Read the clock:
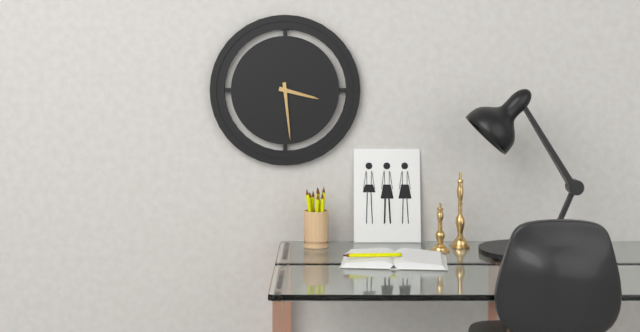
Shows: 3:29
